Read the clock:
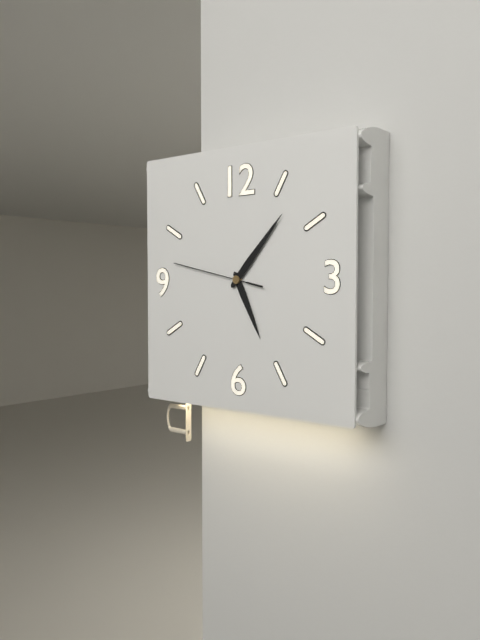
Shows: 5:07:47
